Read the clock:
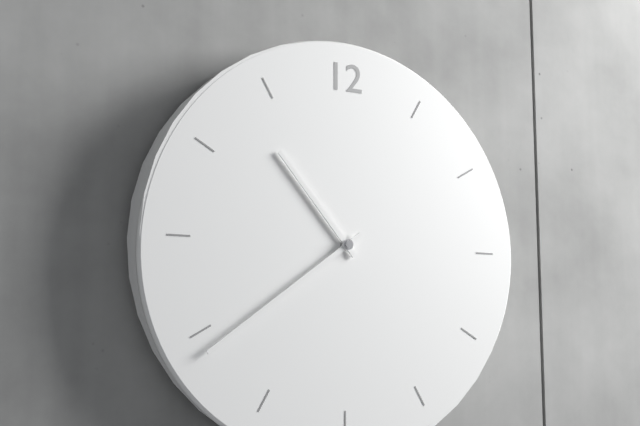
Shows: 10:39
